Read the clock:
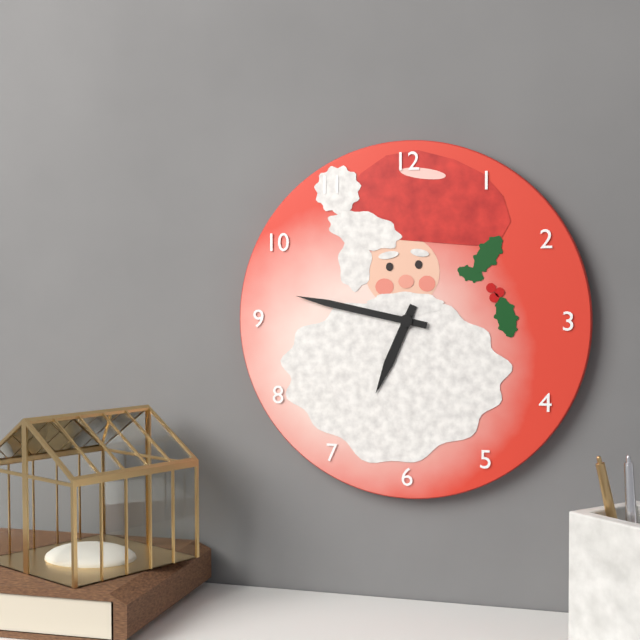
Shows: 6:47
